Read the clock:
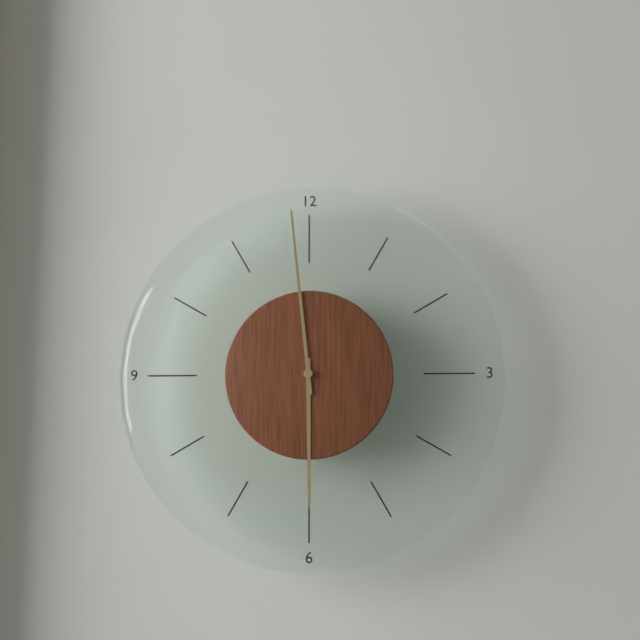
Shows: 5:59
